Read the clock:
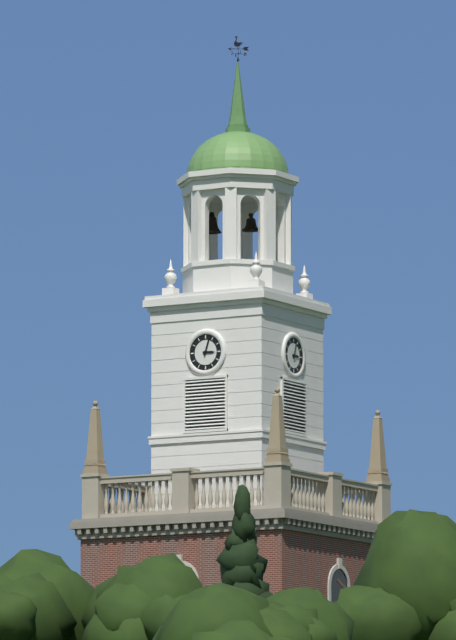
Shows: 3:03
